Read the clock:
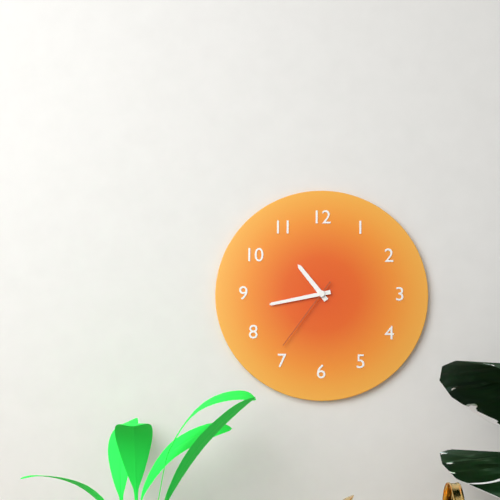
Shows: 10:43:36
